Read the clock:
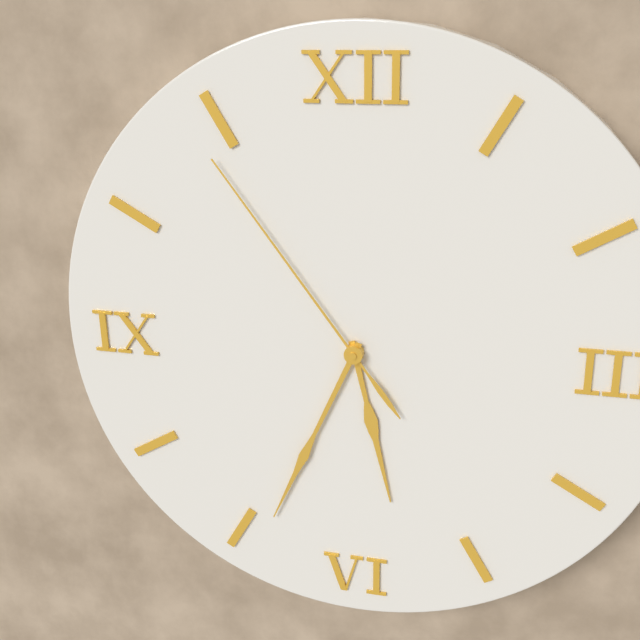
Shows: 5:34:54
